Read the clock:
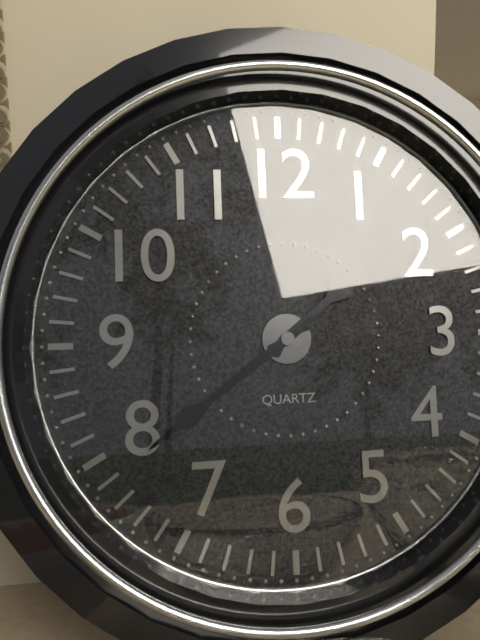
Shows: 1:39
